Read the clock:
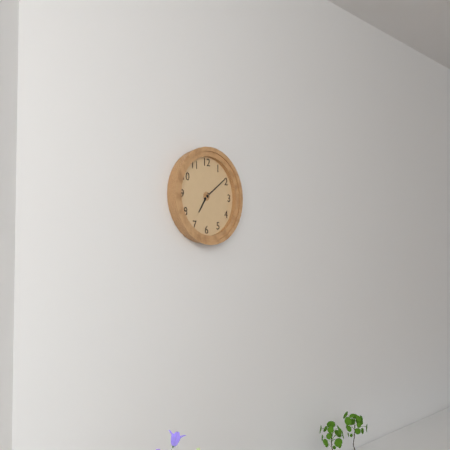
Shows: 7:09
